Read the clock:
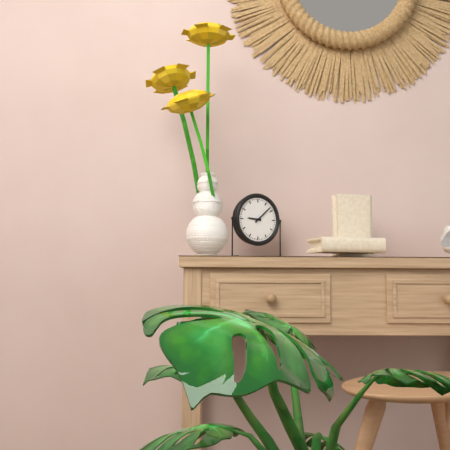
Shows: 9:08
